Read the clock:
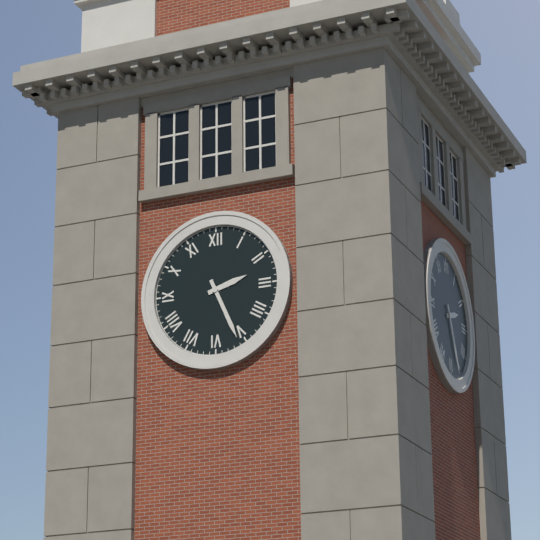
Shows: 2:26
